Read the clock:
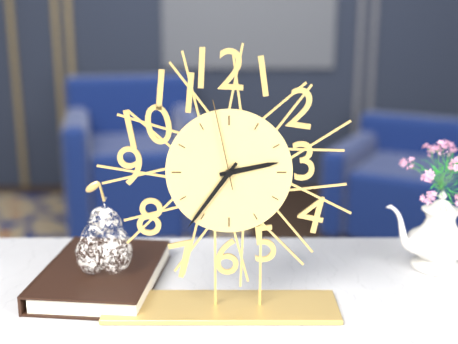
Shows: 2:36:58
